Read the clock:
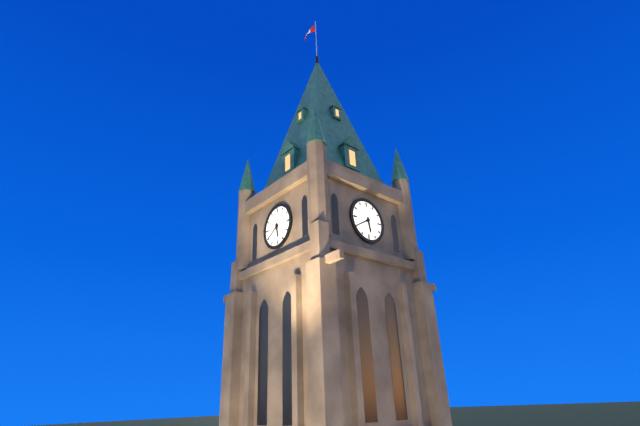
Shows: 5:40
